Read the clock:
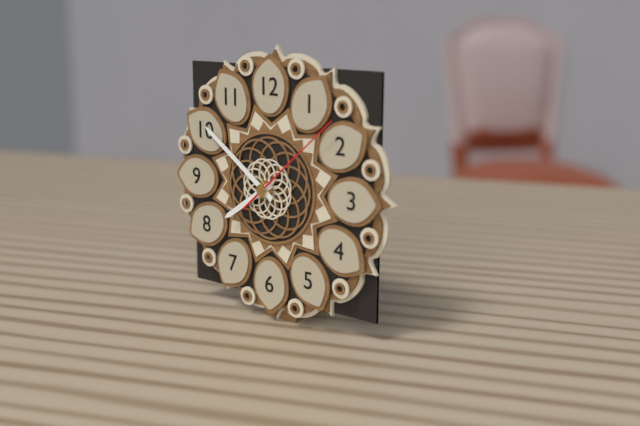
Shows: 7:51:08
